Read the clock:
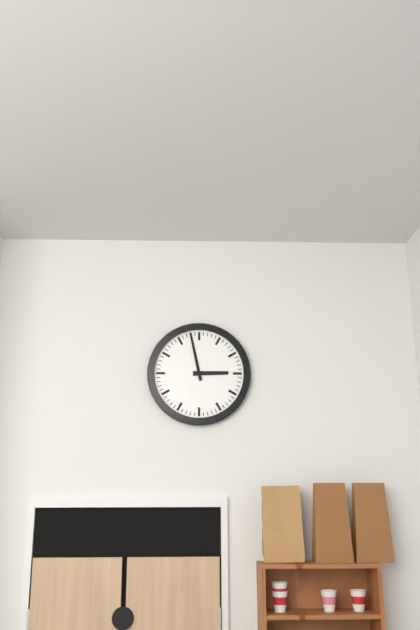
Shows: 2:58
